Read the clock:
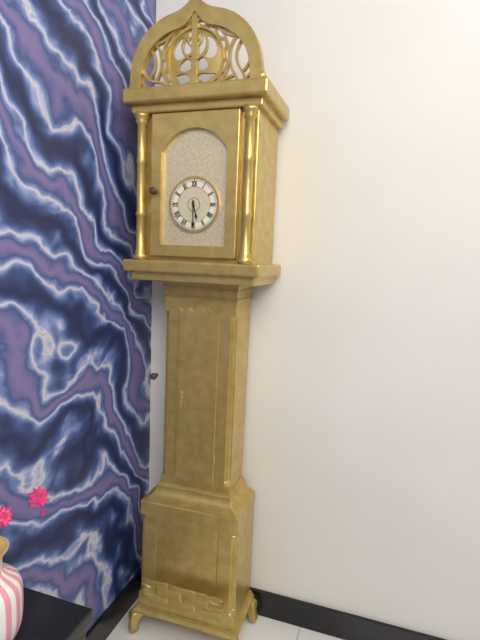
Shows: 5:30
